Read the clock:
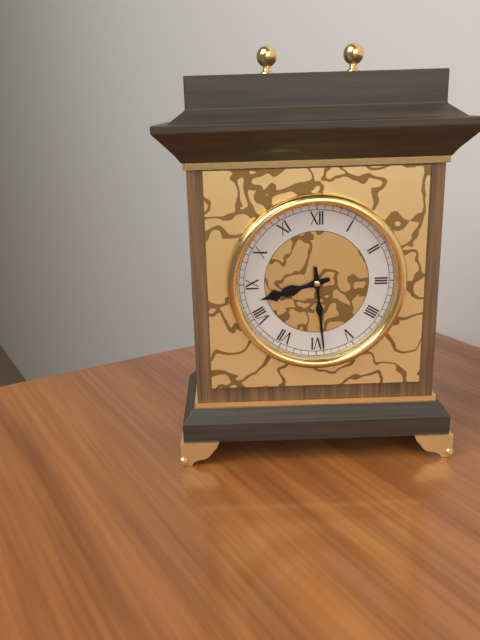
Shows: 8:29
